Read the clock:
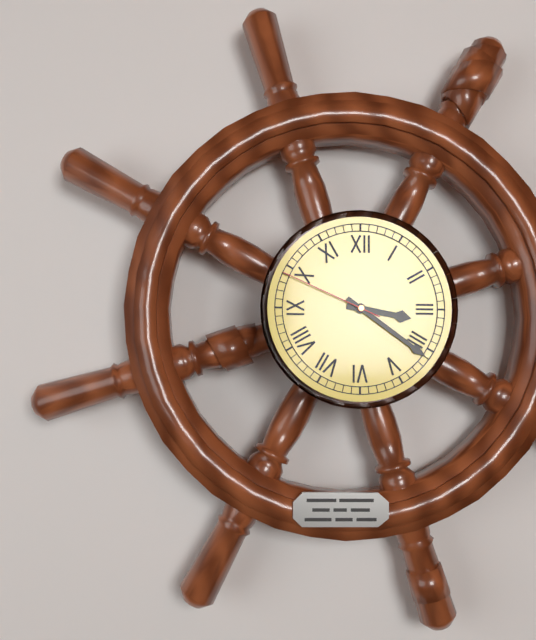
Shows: 3:21:49
